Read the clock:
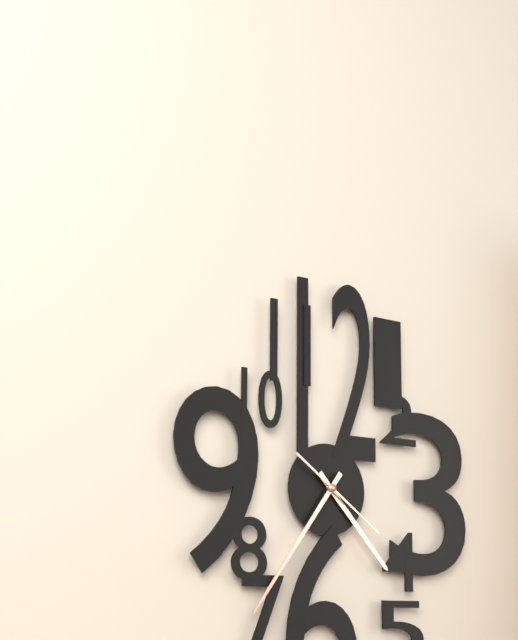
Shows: 4:36:21
